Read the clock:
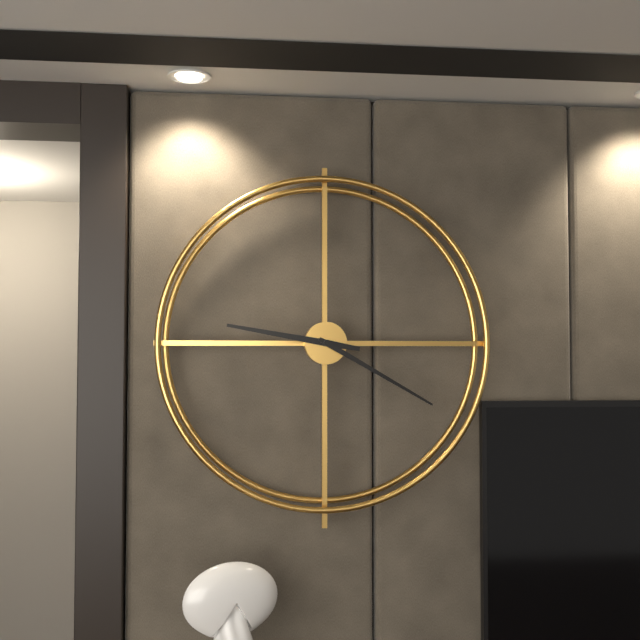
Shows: 9:20
